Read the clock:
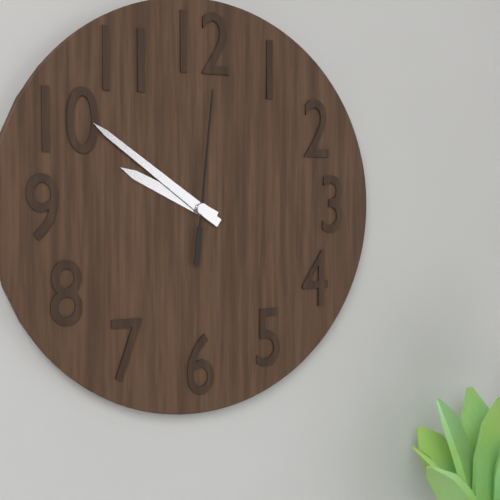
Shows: 9:51:01
